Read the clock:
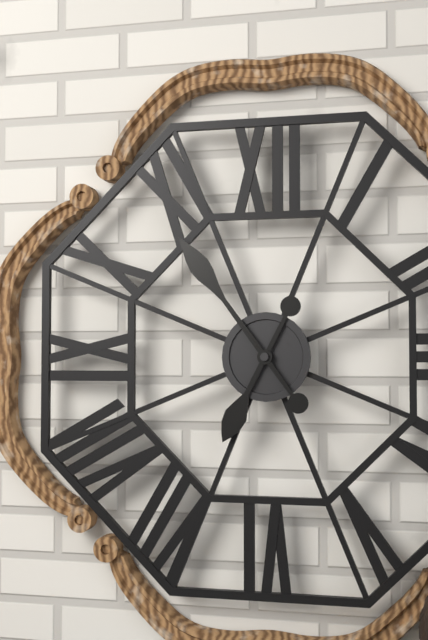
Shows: 6:54
